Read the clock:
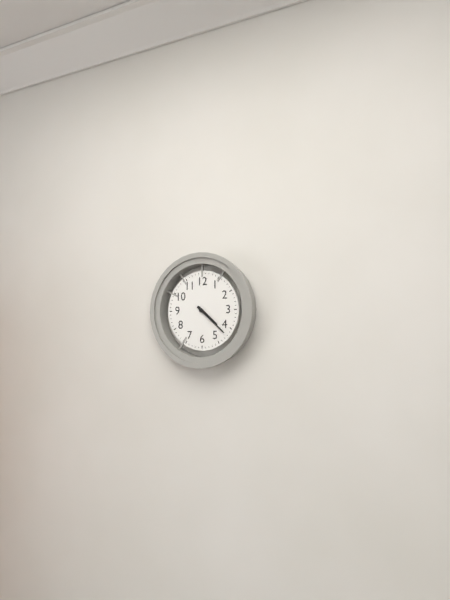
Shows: 4:22
